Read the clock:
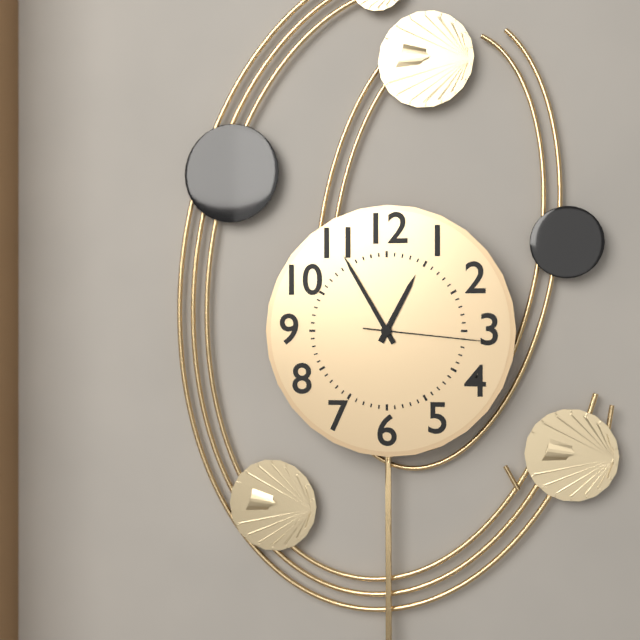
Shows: 12:55:16
